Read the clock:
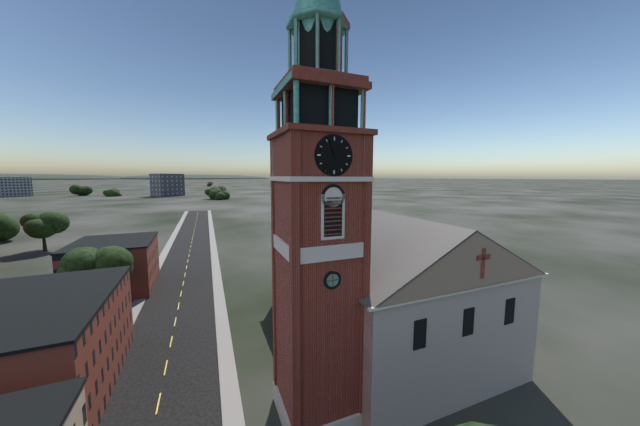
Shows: 12:57
